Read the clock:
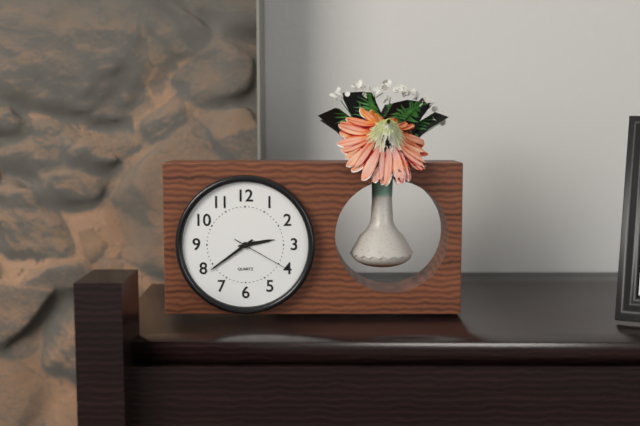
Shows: 2:39:20
